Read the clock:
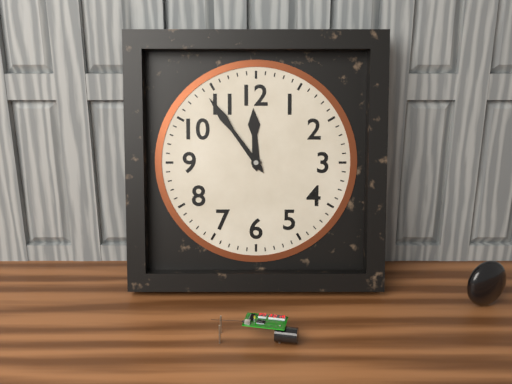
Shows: 11:54
